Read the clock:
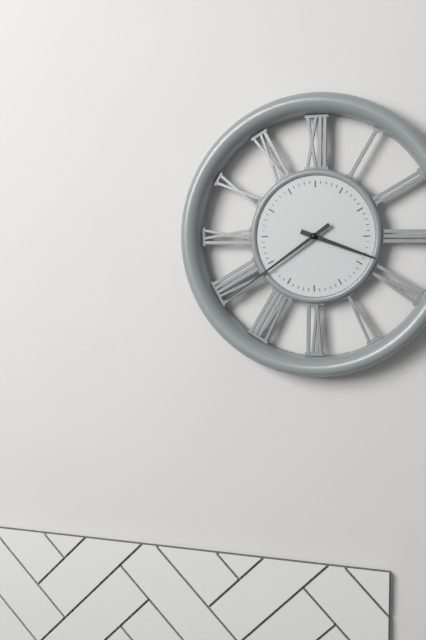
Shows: 3:39
